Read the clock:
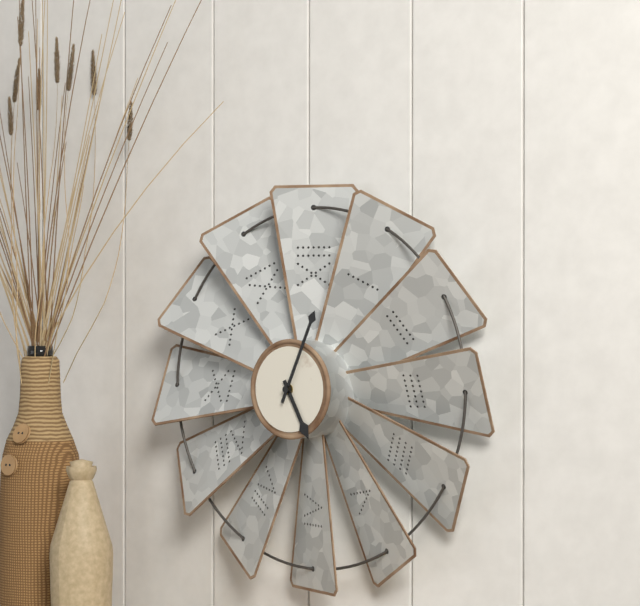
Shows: 5:04
